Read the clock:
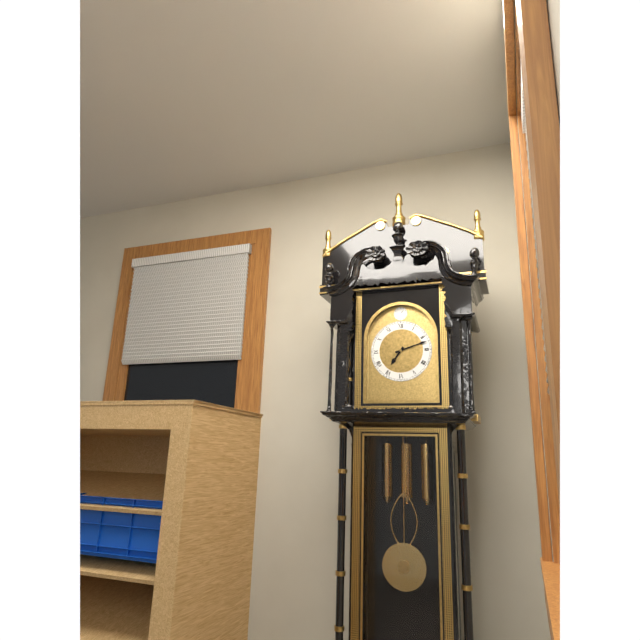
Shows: 7:12
